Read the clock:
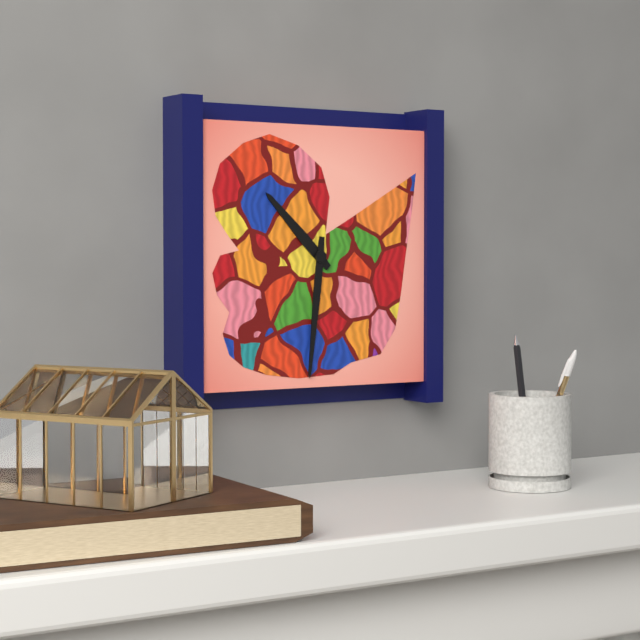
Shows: 10:31
